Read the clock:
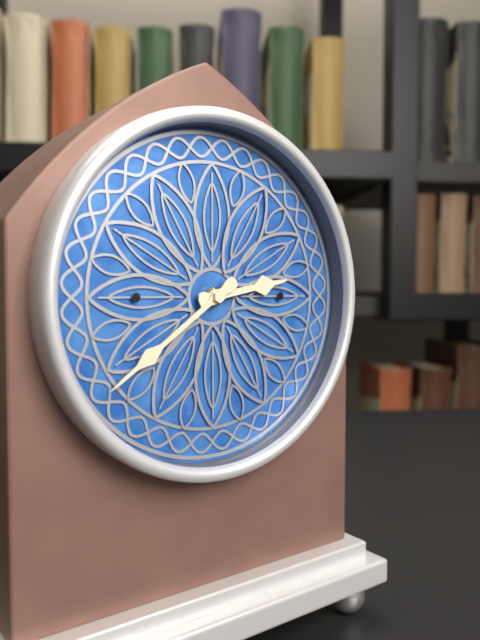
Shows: 2:39
